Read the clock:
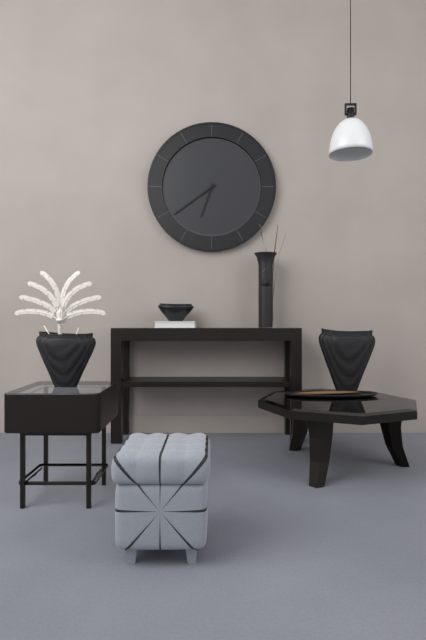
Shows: 6:39
